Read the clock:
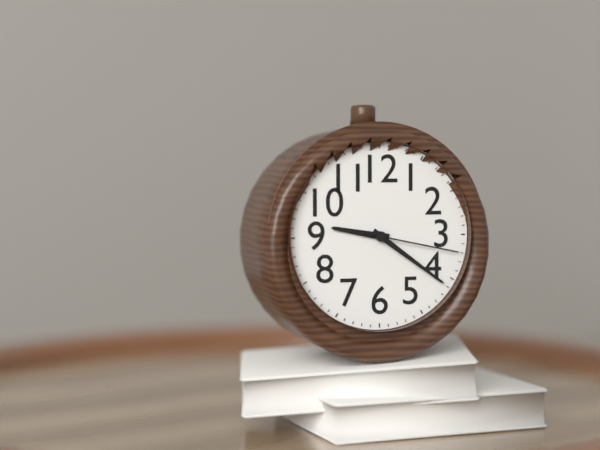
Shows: 9:21:17
